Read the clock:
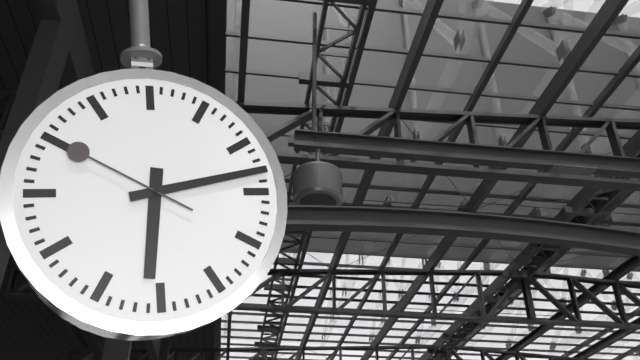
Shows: 6:13:50
